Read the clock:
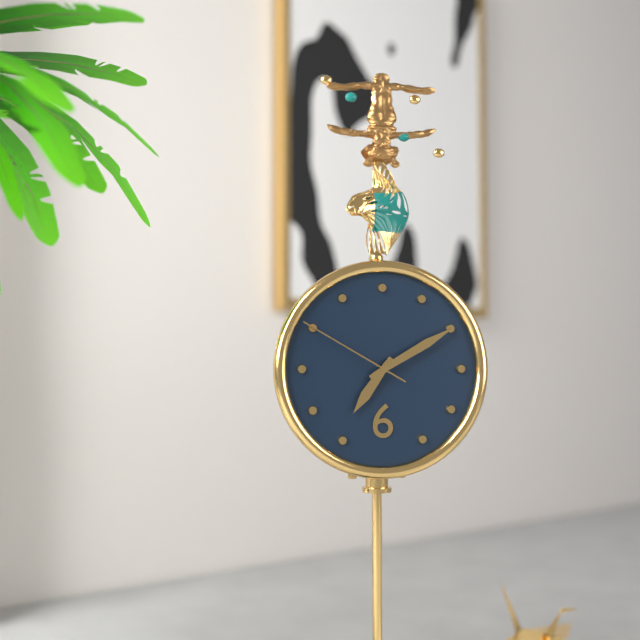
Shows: 7:10:50
